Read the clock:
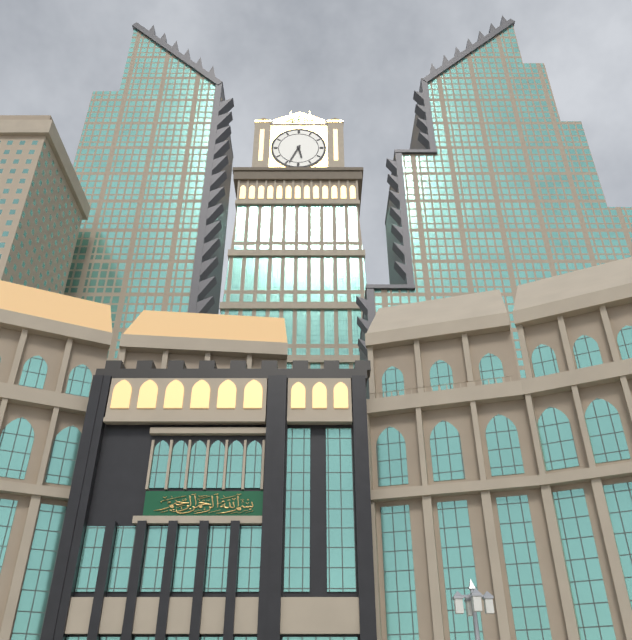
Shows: 5:34
